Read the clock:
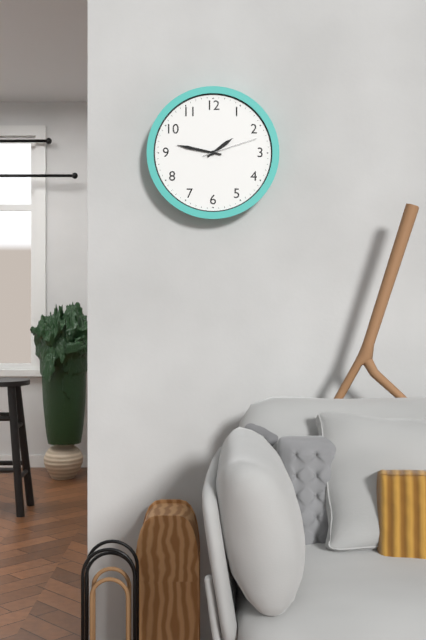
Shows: 1:47:12
